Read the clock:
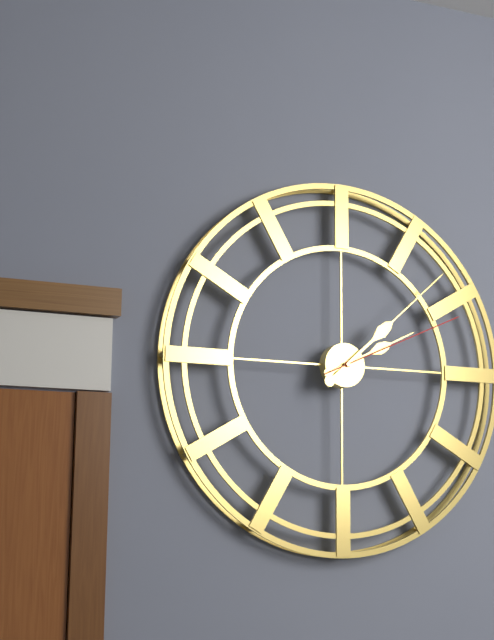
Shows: 2:08:11
